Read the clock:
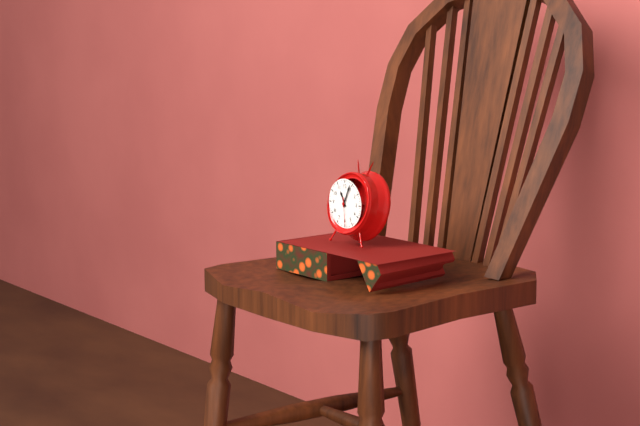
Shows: 11:04
